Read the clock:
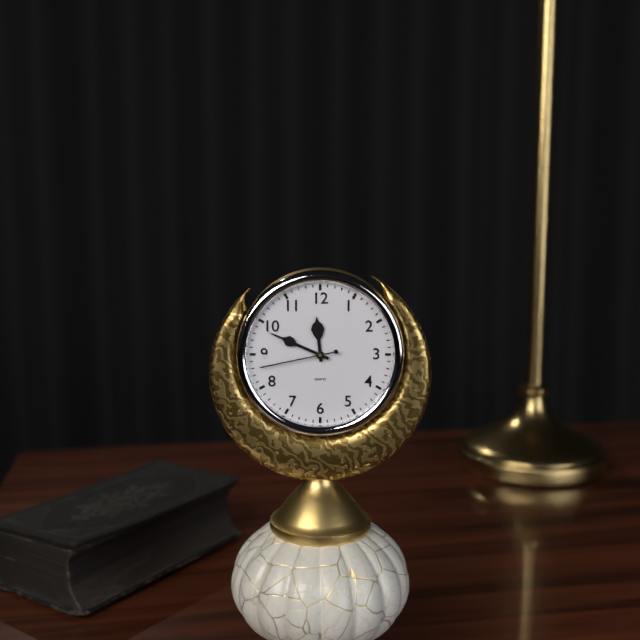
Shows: 11:49:43
